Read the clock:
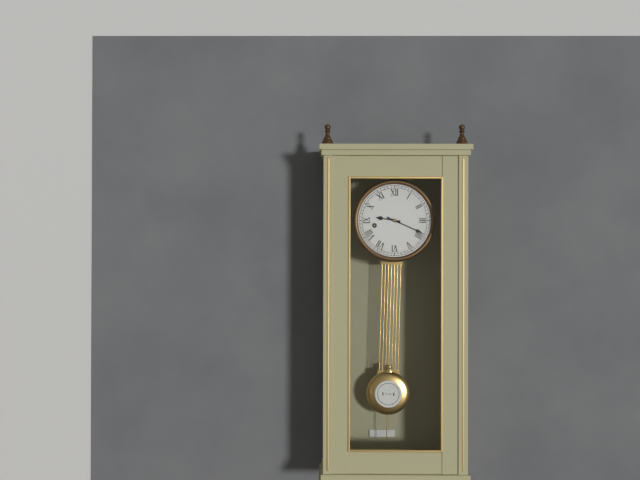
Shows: 9:19
